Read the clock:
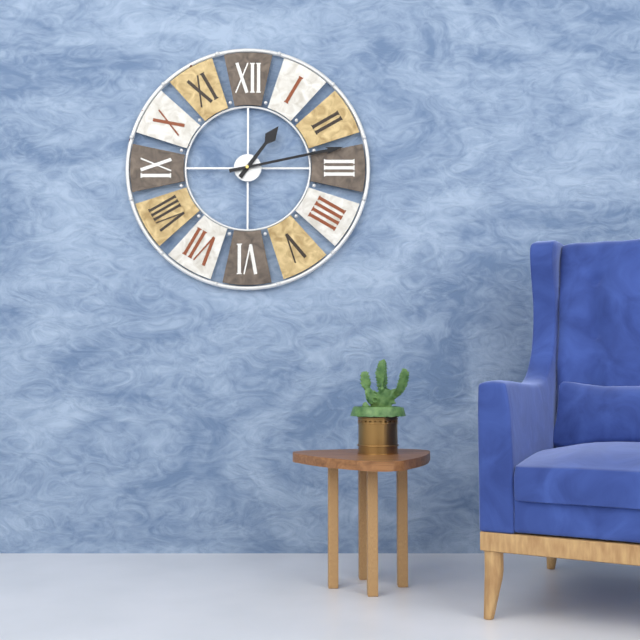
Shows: 1:13
